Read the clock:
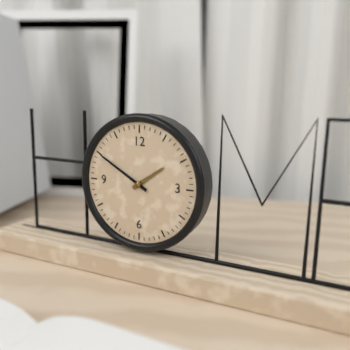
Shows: 1:50
